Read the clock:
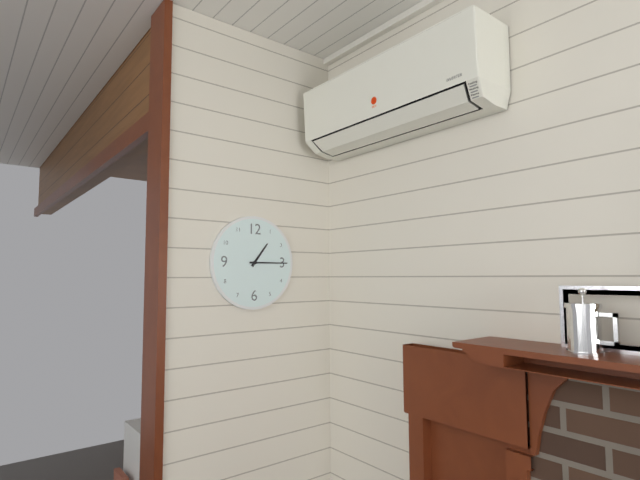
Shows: 1:15
